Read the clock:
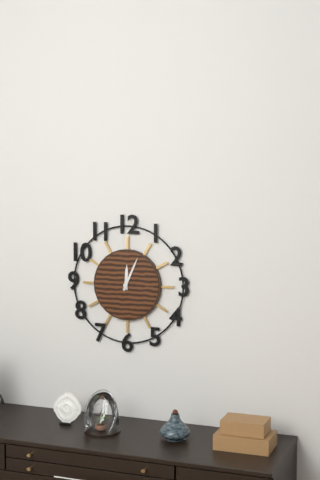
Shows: 12:04
